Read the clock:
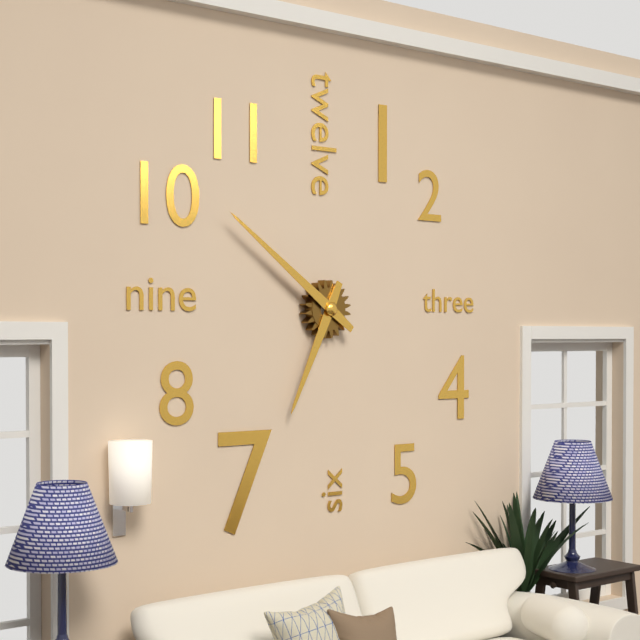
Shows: 6:51
